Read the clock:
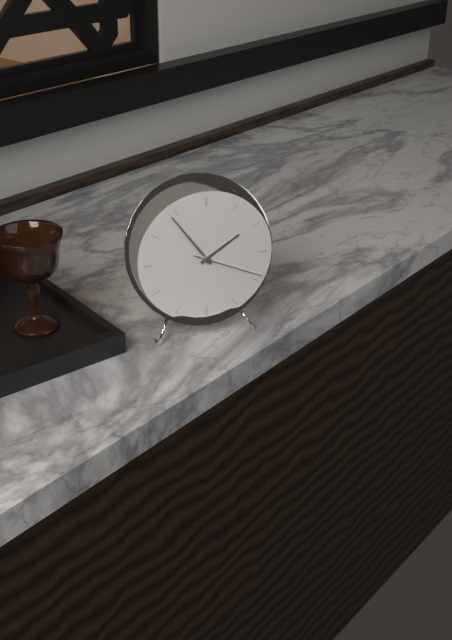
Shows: 1:54:19
